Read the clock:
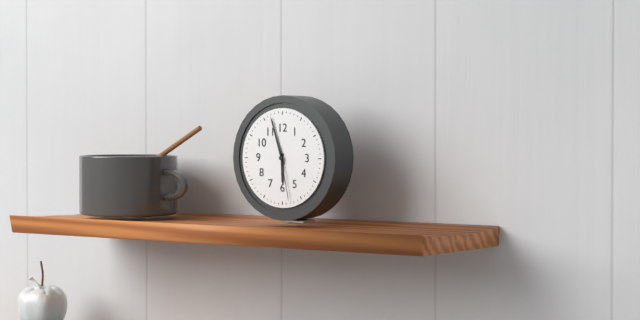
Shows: 5:57:28
